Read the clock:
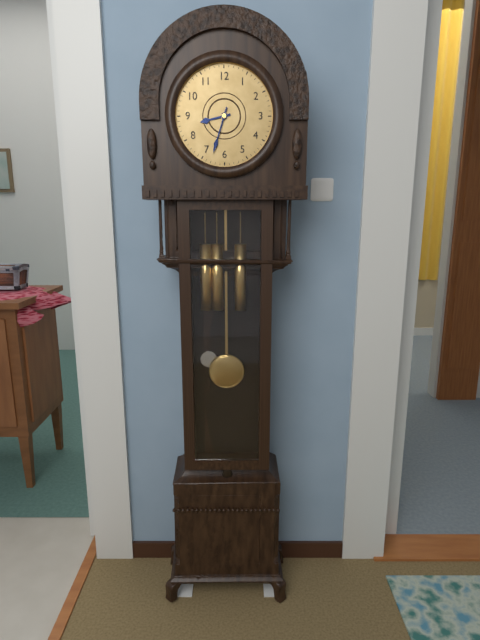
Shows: 8:33
